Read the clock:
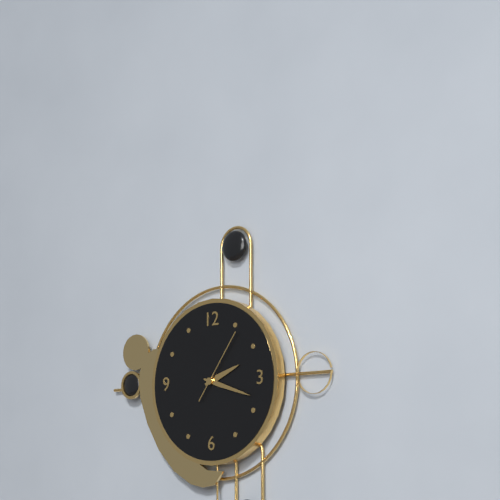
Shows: 2:18:06
